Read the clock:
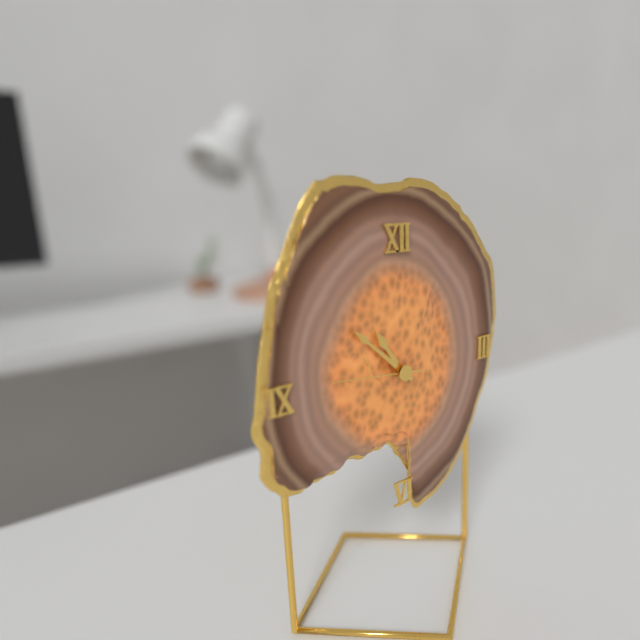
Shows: 10:52:46
